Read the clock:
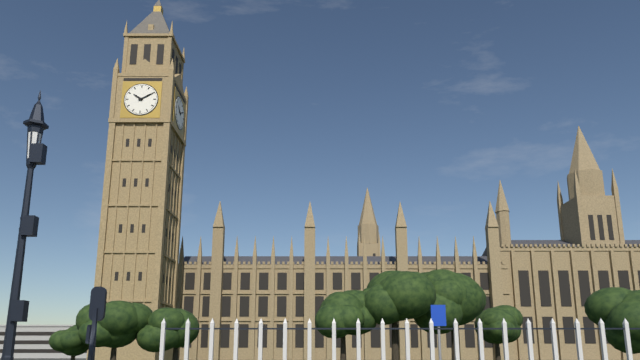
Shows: 10:10
